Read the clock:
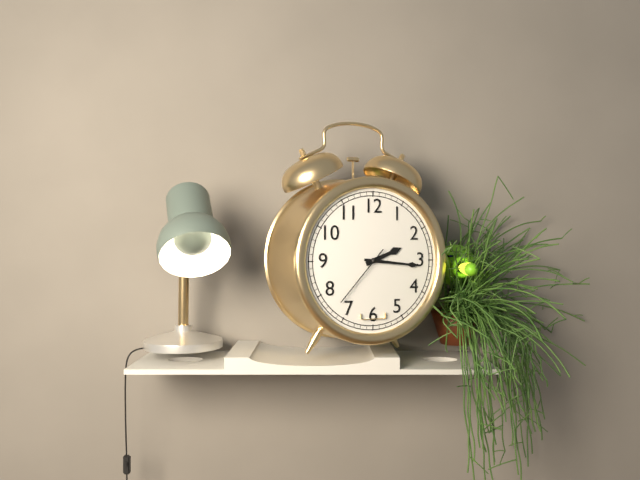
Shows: 2:16:37
